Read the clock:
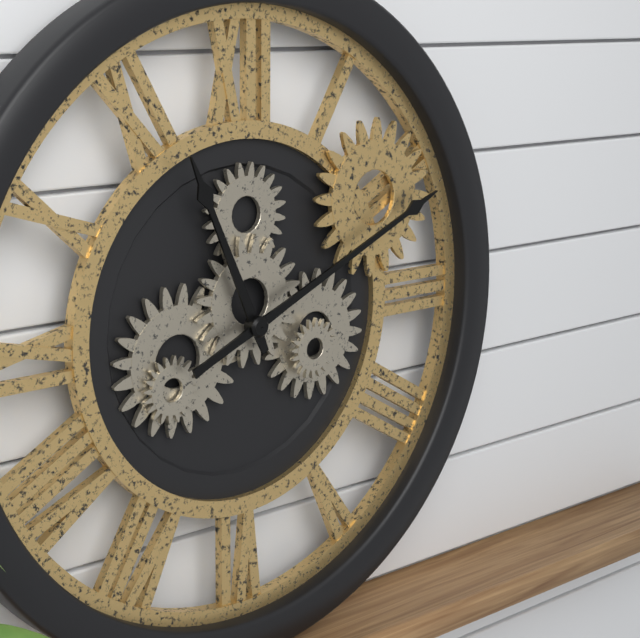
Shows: 11:11
